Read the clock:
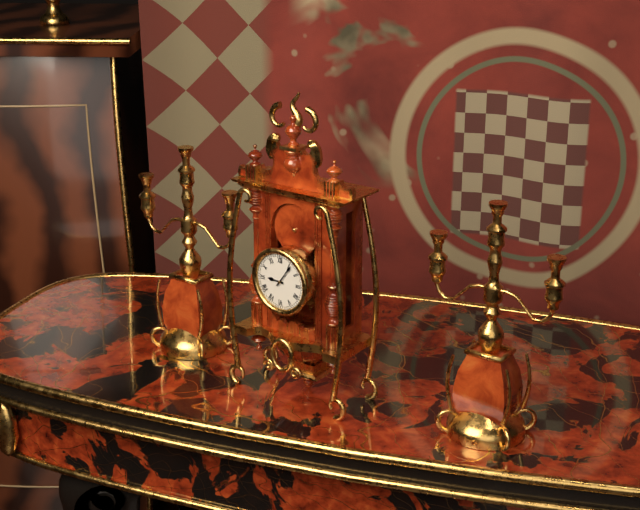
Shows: 9:06
